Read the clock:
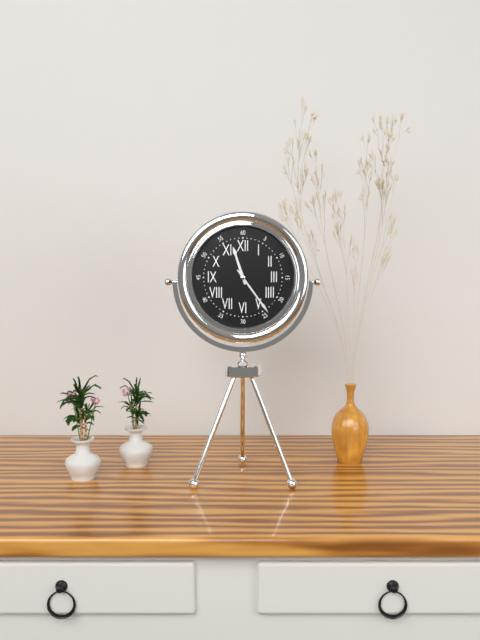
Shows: 11:24
